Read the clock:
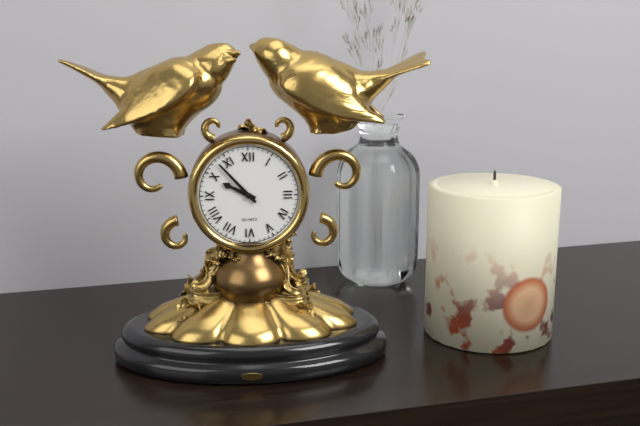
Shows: 9:53
